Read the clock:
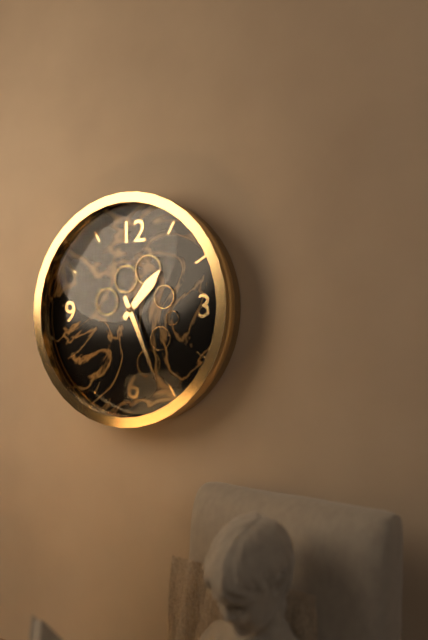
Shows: 1:26
